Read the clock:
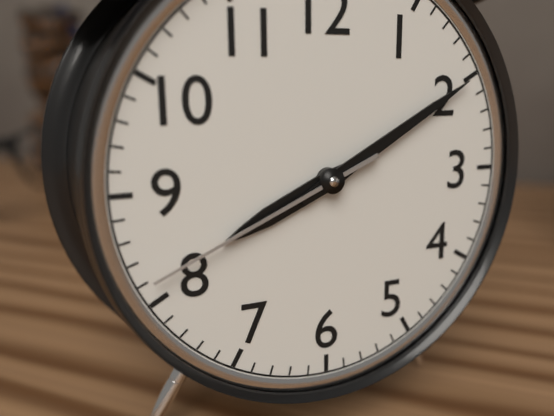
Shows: 8:10:41
